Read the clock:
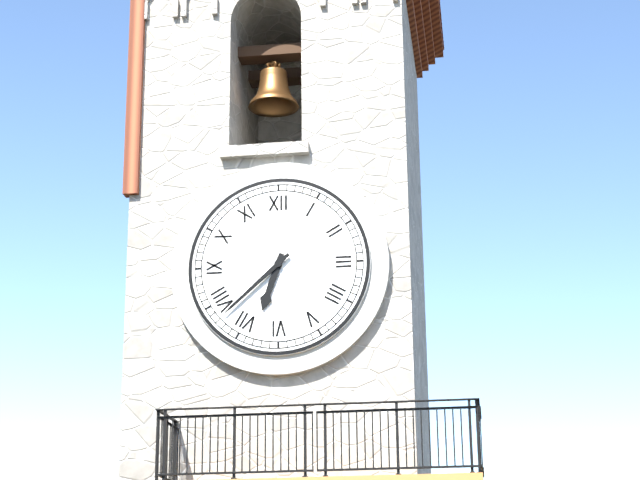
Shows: 6:38
